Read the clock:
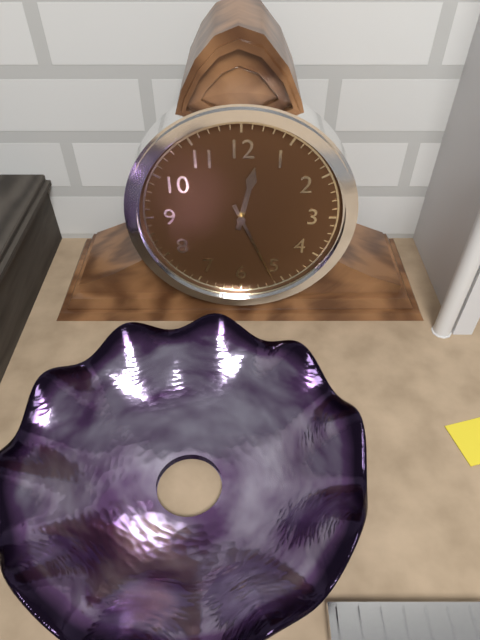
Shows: 12:26
